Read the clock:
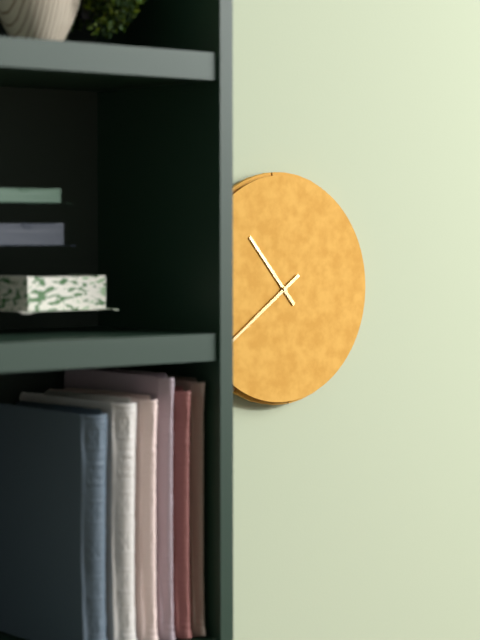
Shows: 10:39
